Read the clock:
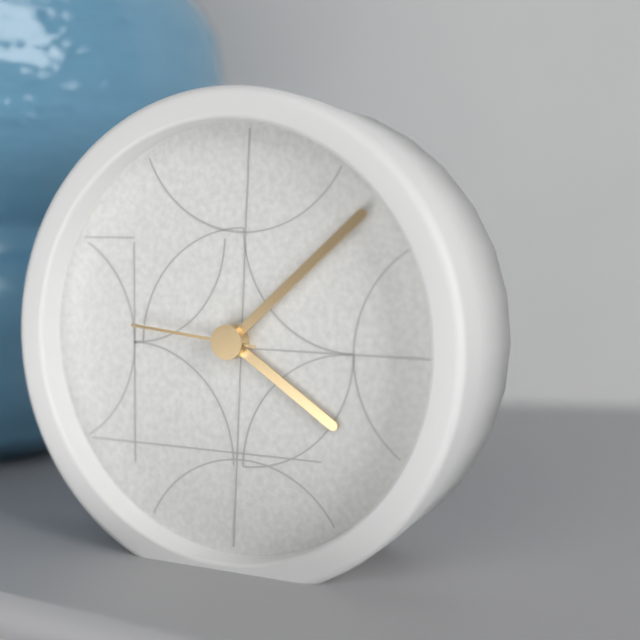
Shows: 4:08:46
